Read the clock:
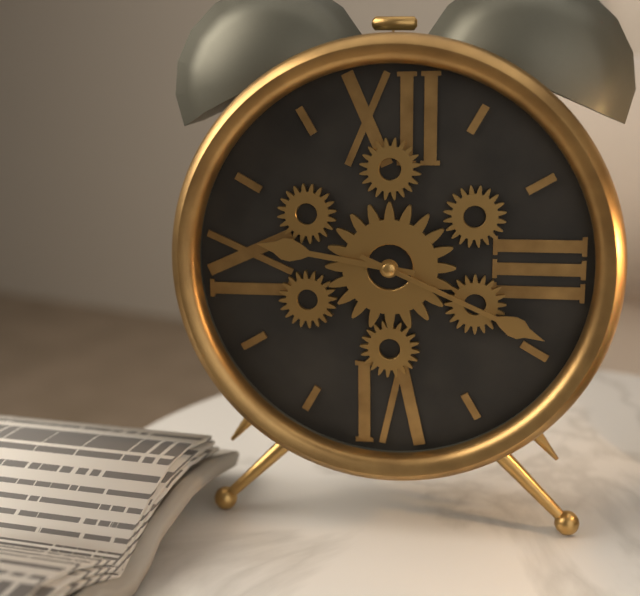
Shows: 9:19
